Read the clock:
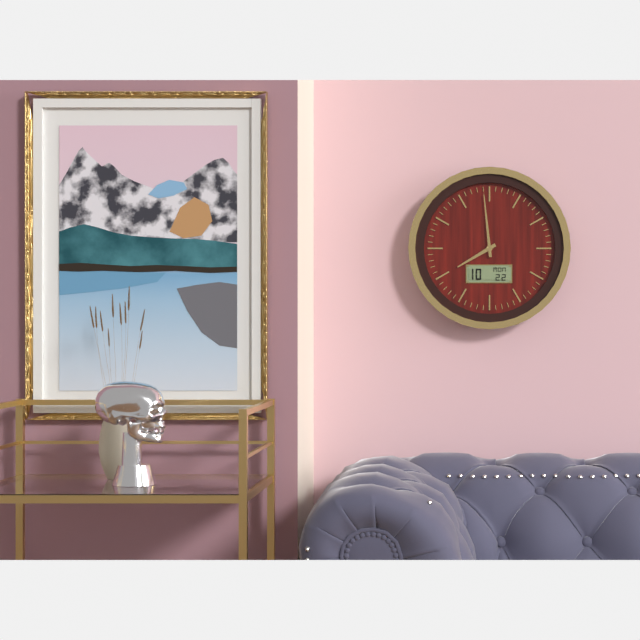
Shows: 7:59
